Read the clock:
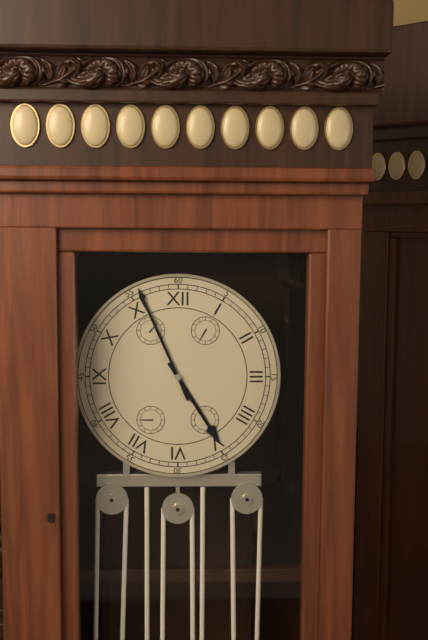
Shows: 4:56
